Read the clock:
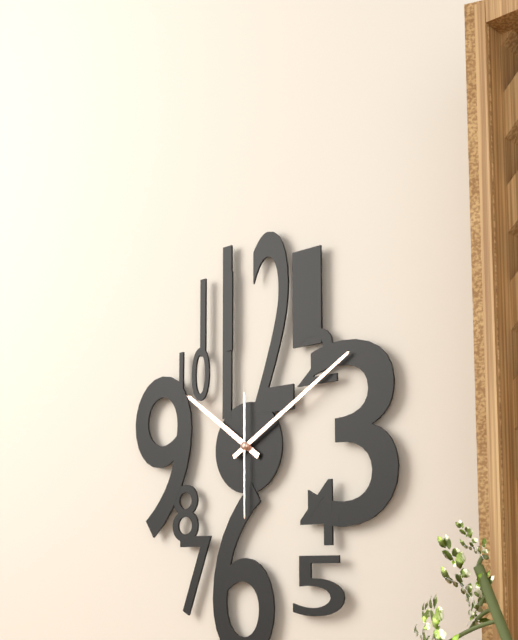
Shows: 10:10:30
